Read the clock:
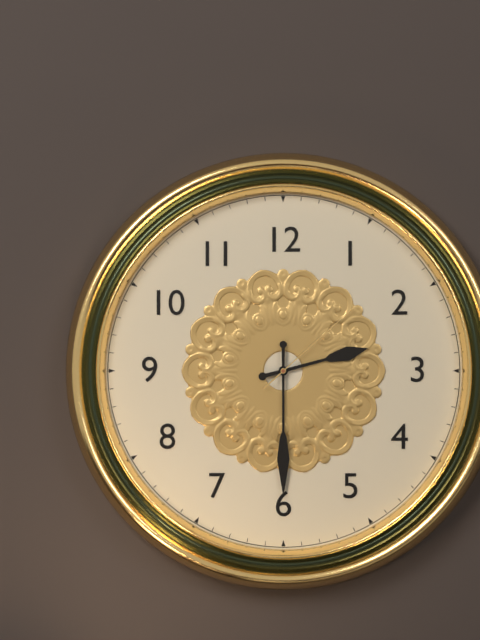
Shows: 2:30:08
